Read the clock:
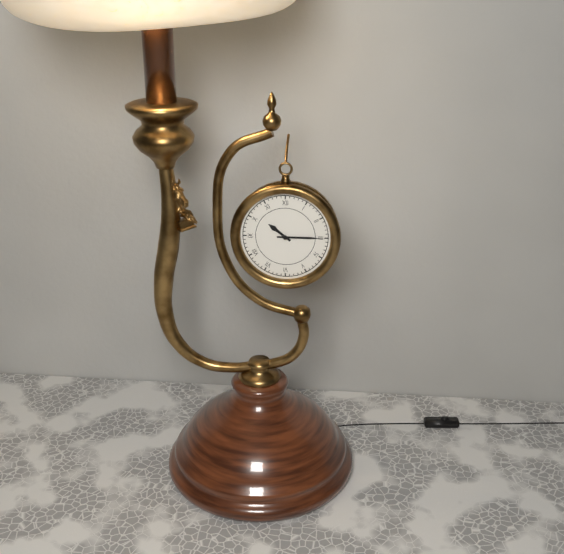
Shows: 10:15
